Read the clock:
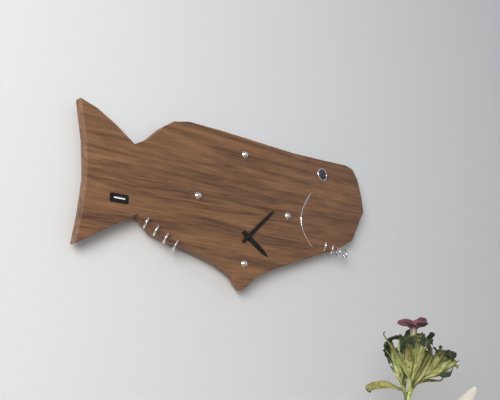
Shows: 4:08
